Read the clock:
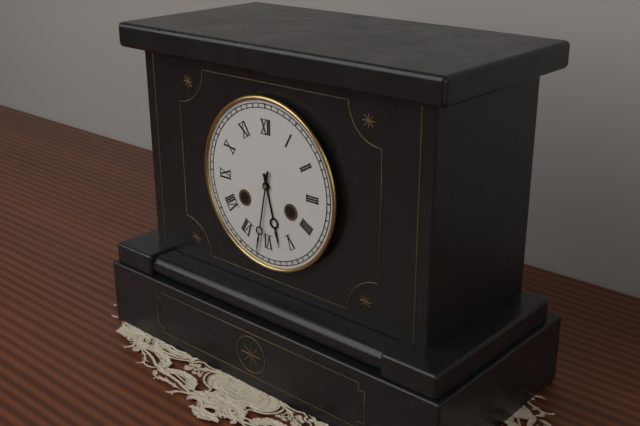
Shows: 5:32
